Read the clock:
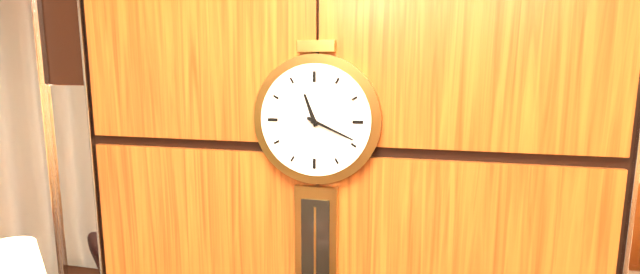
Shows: 11:19
